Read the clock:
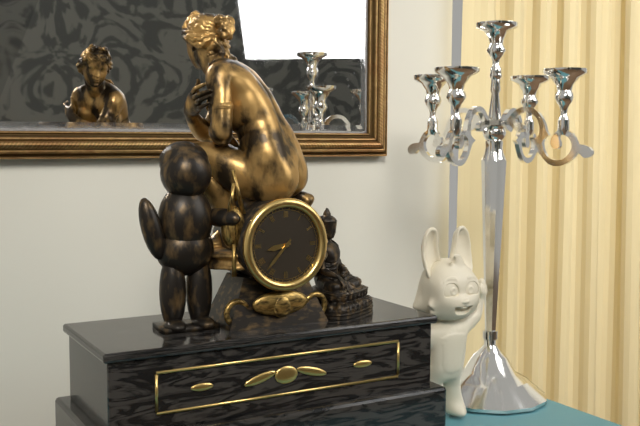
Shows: 8:37
